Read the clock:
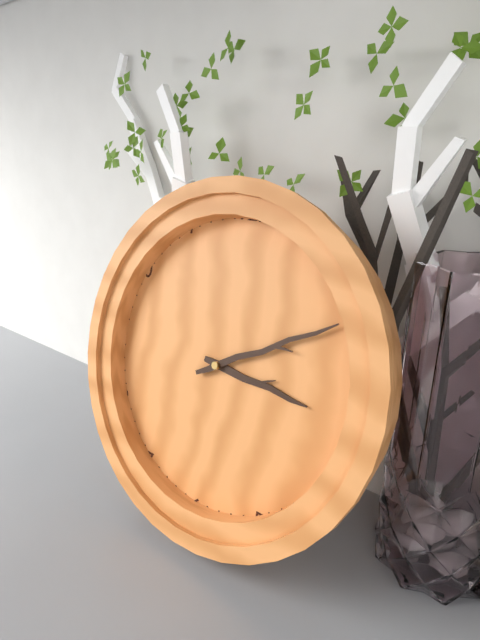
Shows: 3:10
